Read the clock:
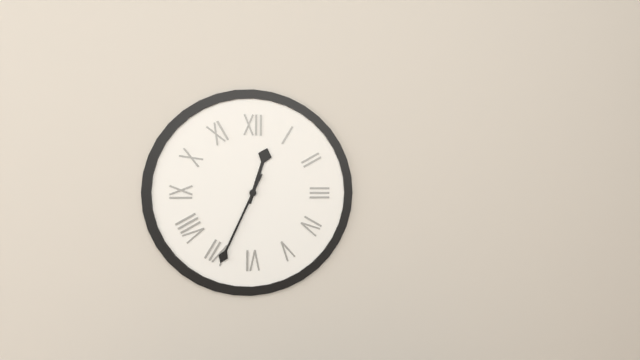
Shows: 12:34
